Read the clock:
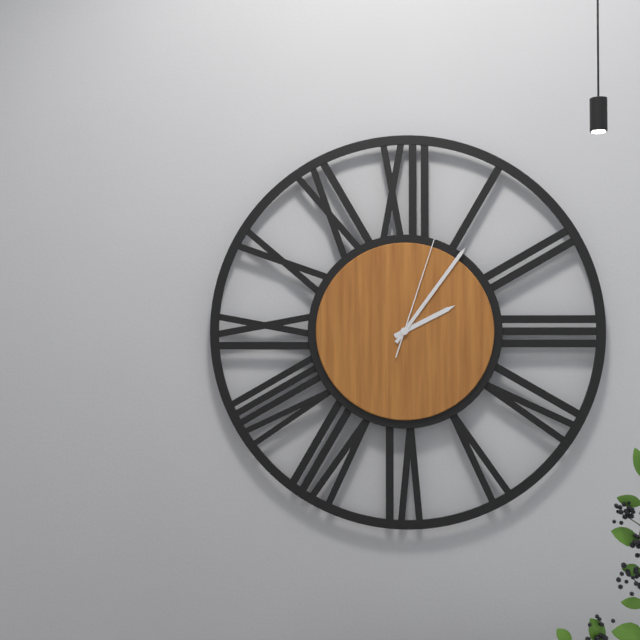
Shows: 2:06:03
